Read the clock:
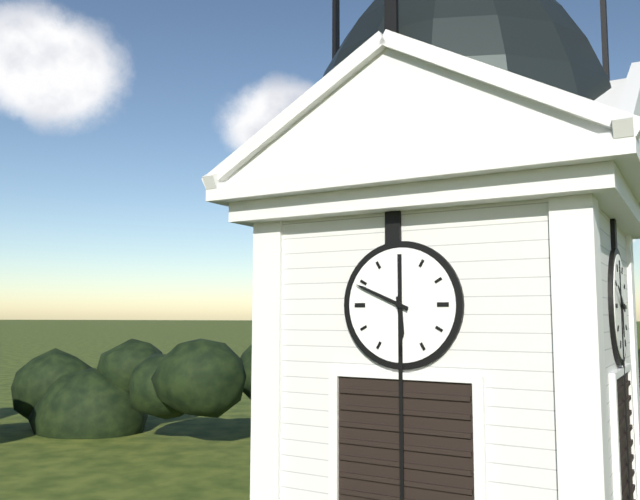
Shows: 5:49
